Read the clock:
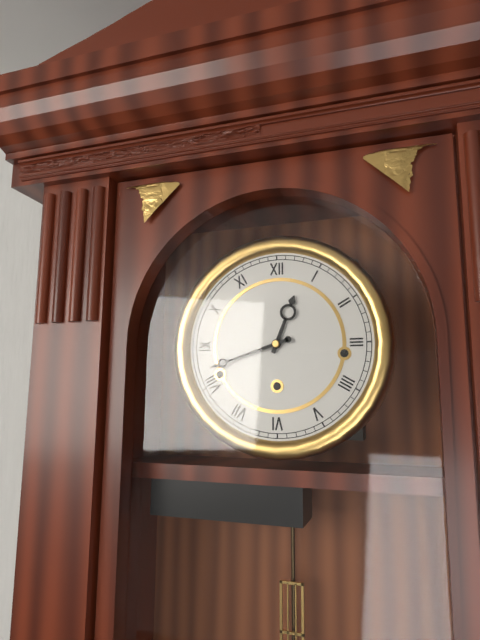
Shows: 12:42
